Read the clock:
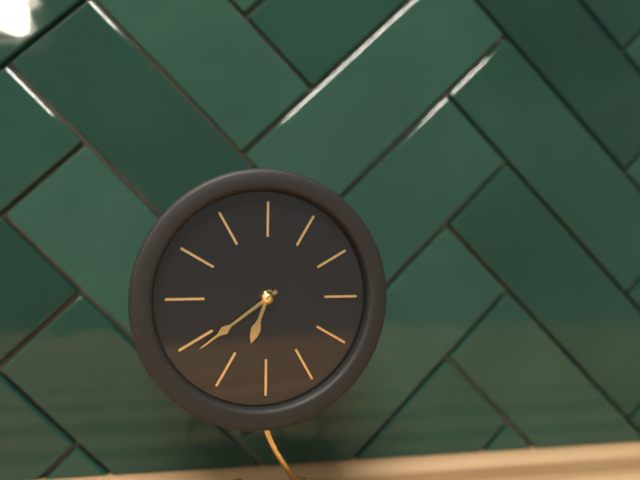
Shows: 6:39
